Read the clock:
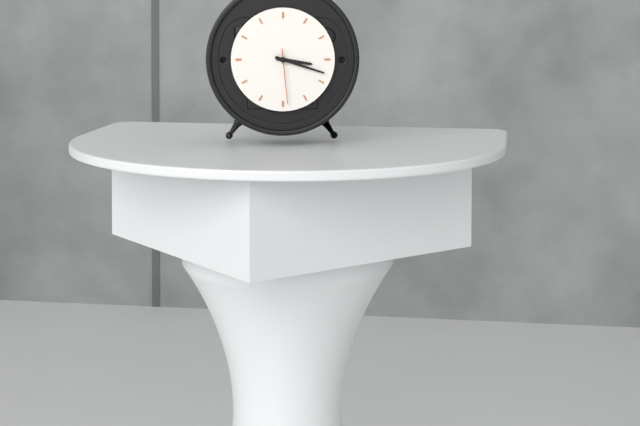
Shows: 3:18:29
